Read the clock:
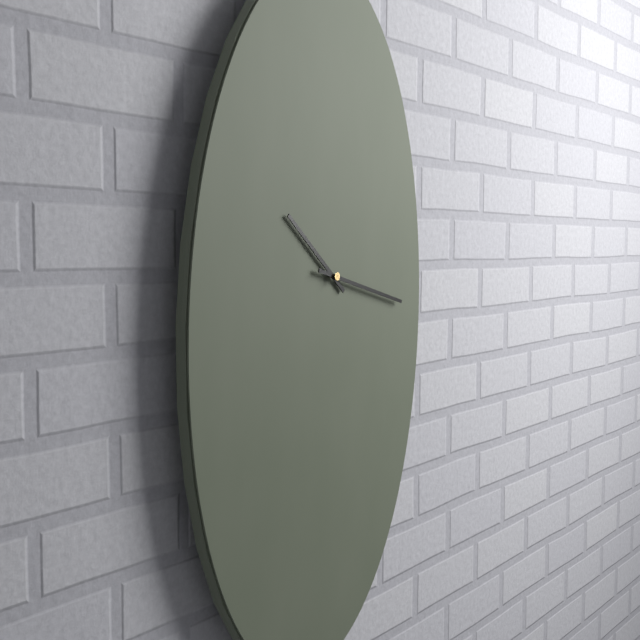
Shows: 10:17
